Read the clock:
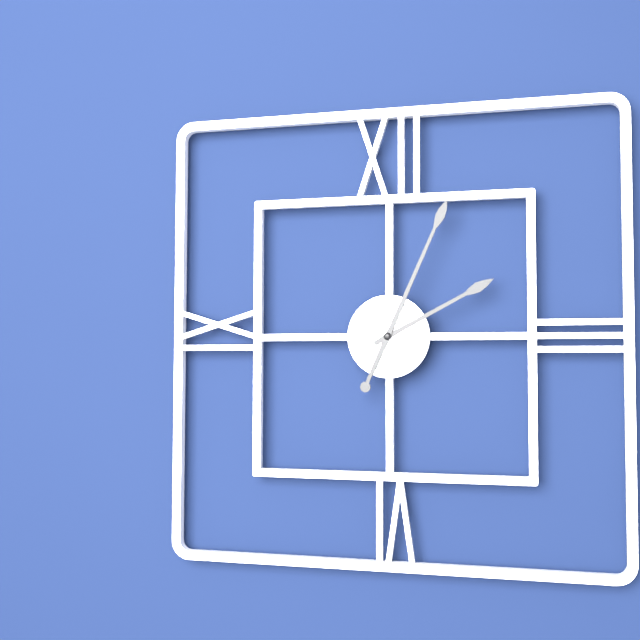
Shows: 2:04
